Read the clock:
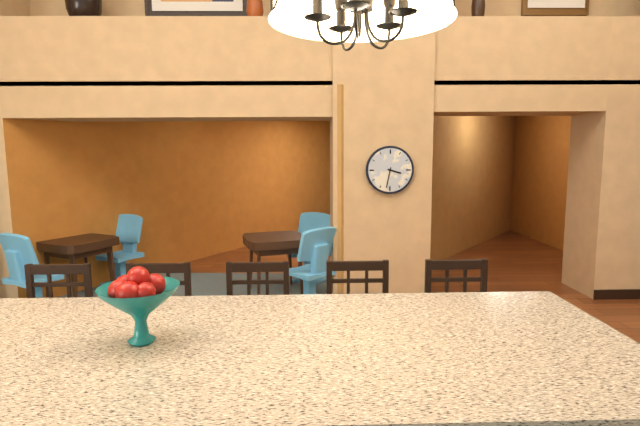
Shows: 3:32
